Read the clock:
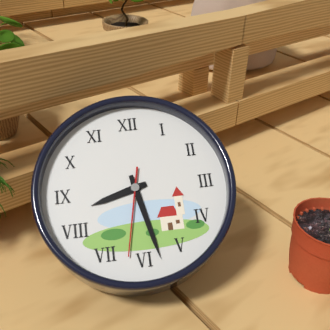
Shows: 8:28:32
